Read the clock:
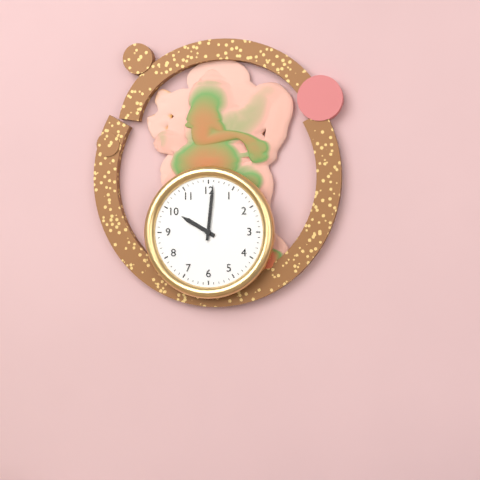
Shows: 10:01
